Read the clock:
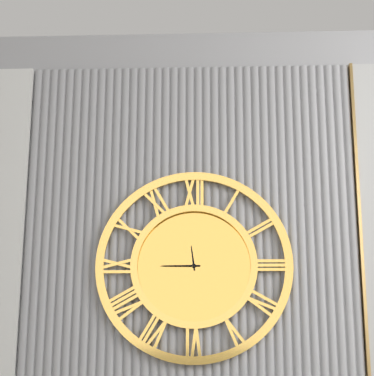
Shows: 11:45
